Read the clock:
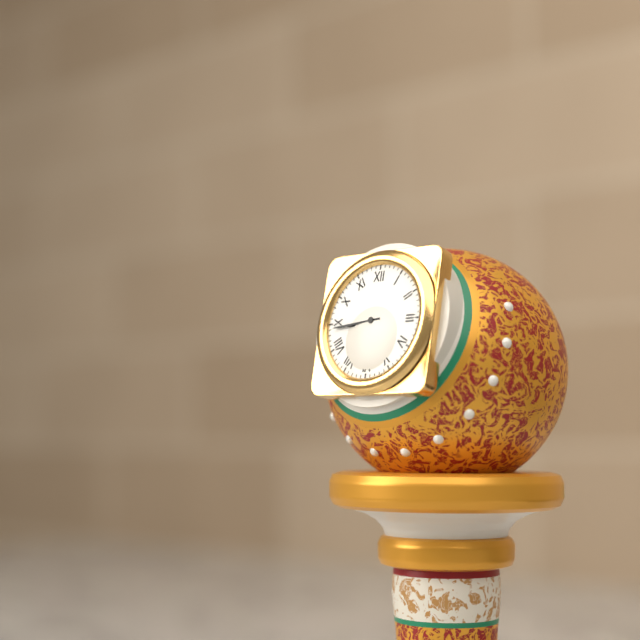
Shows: 8:44
